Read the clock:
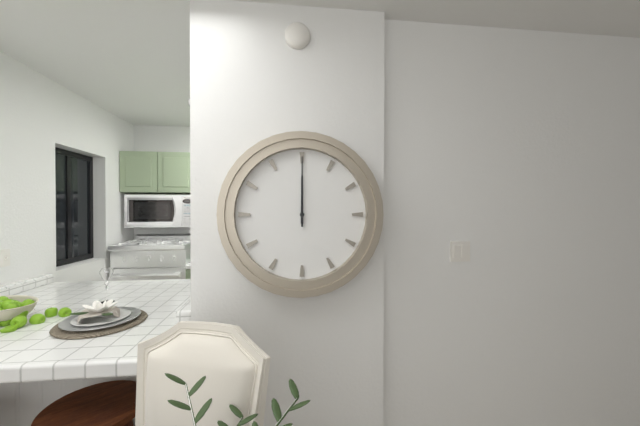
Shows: 12:00
